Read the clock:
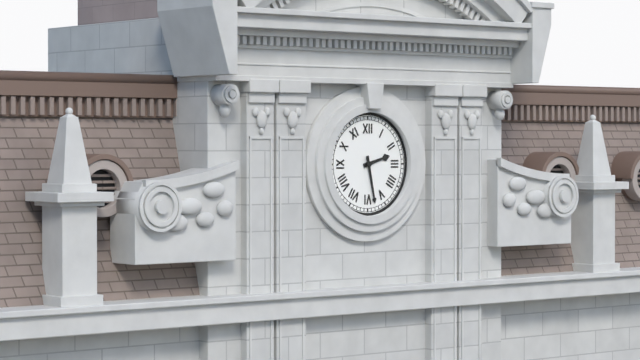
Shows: 2:28
